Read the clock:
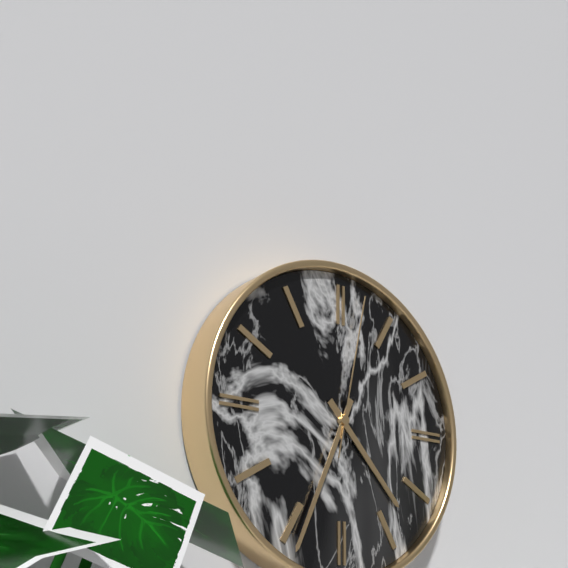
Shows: 4:34:02
